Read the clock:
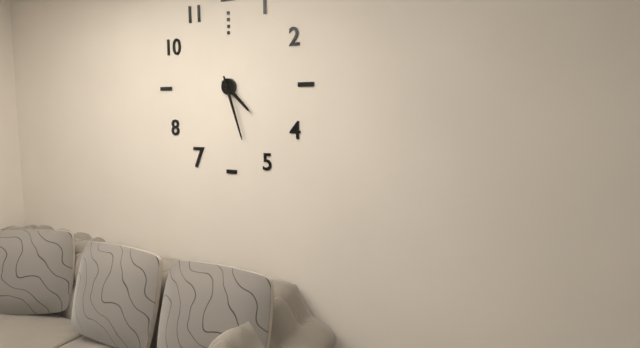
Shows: 4:27
